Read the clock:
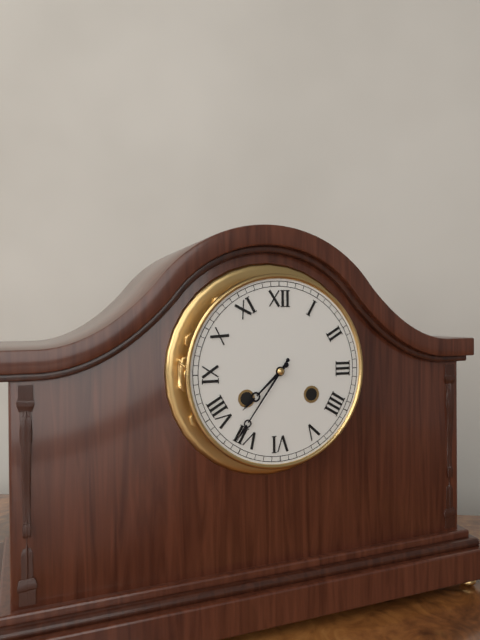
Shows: 7:36
